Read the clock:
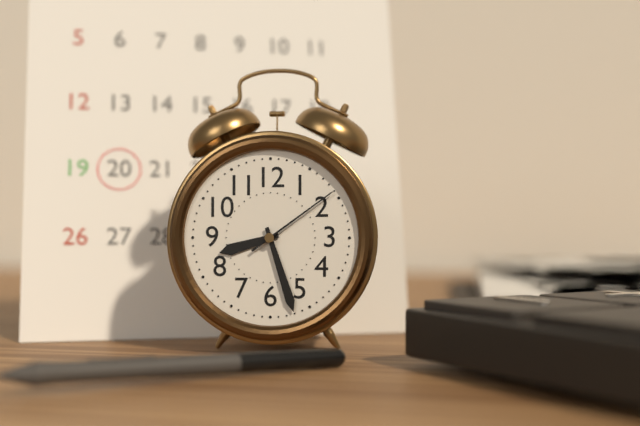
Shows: 8:27:09
